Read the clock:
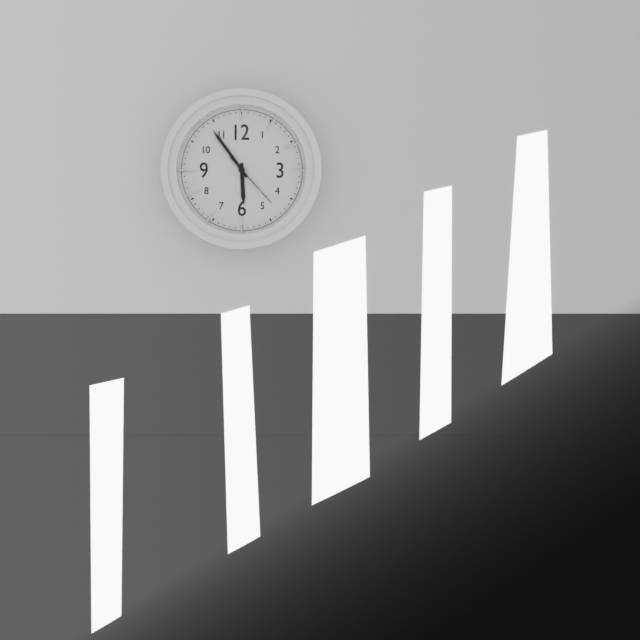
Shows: 5:54:23
